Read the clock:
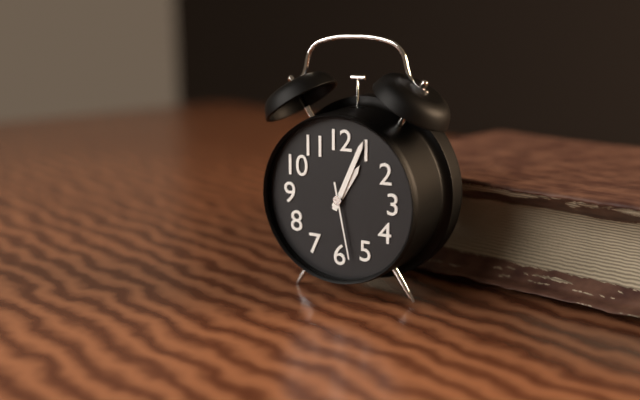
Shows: 1:04:28
